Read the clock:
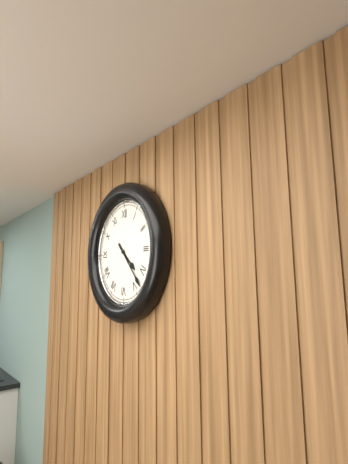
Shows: 4:23
